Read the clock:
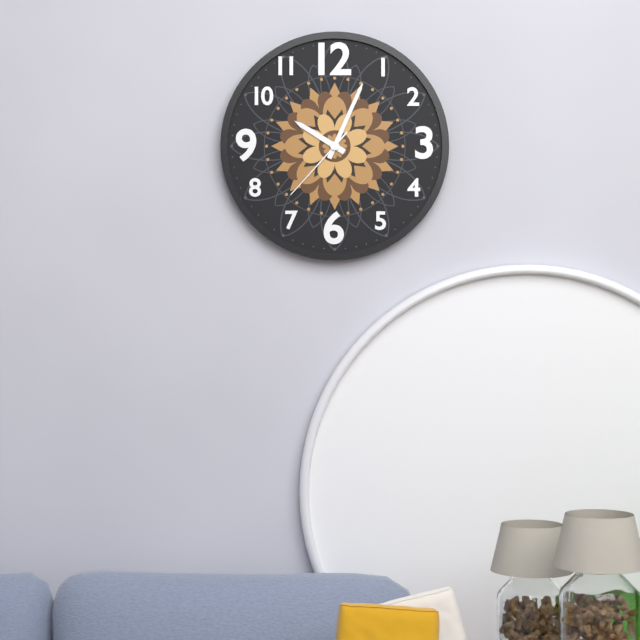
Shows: 10:04:37
